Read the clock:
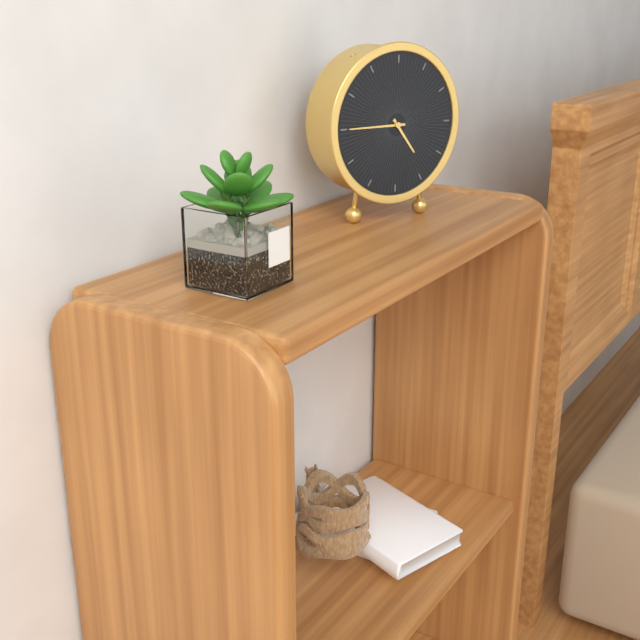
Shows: 4:45
